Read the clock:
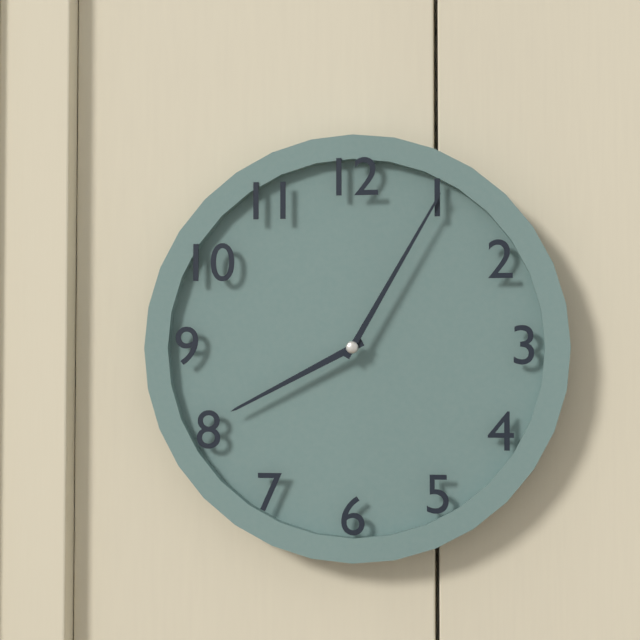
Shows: 8:05
